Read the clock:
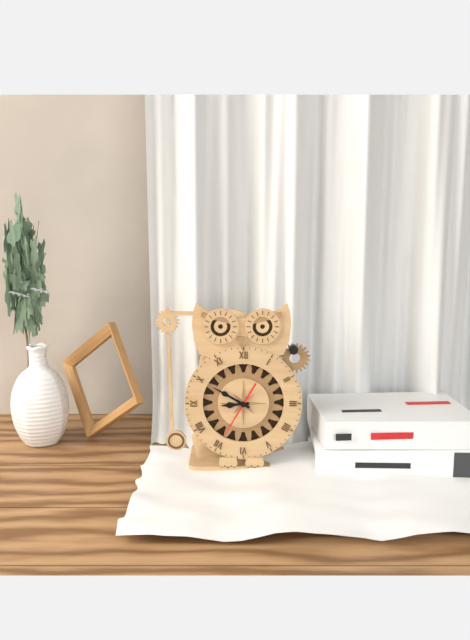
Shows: 8:50:35
